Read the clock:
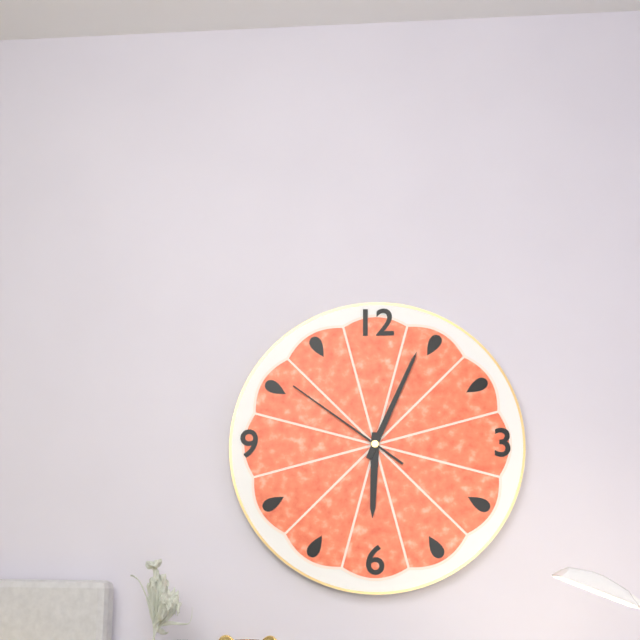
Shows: 6:04:51
